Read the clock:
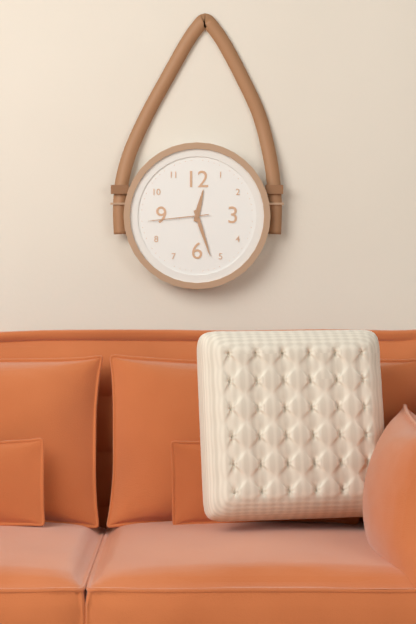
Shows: 12:27:44
